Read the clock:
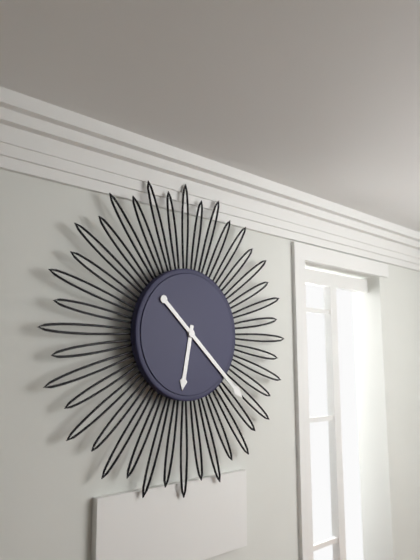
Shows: 6:22
